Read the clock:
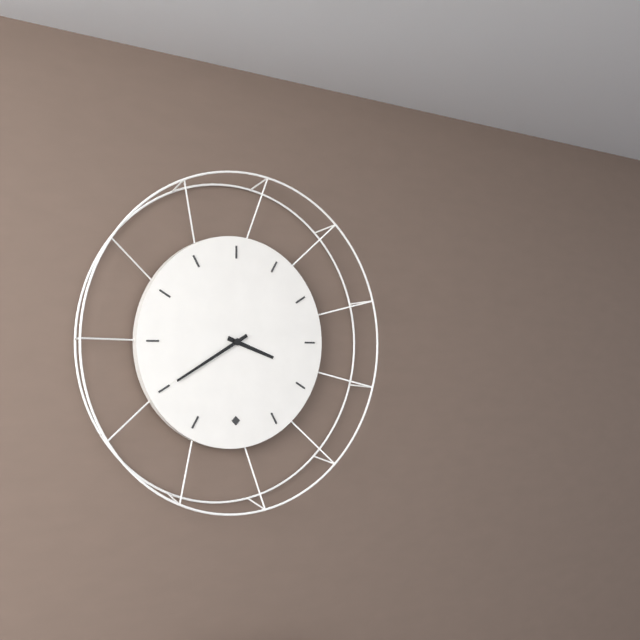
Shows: 3:40
